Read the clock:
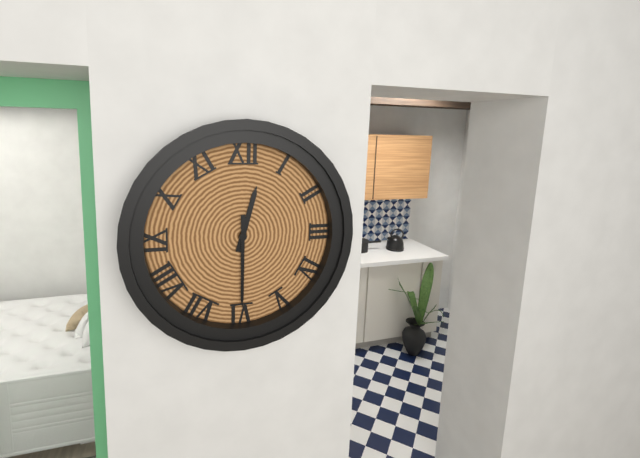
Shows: 12:30
